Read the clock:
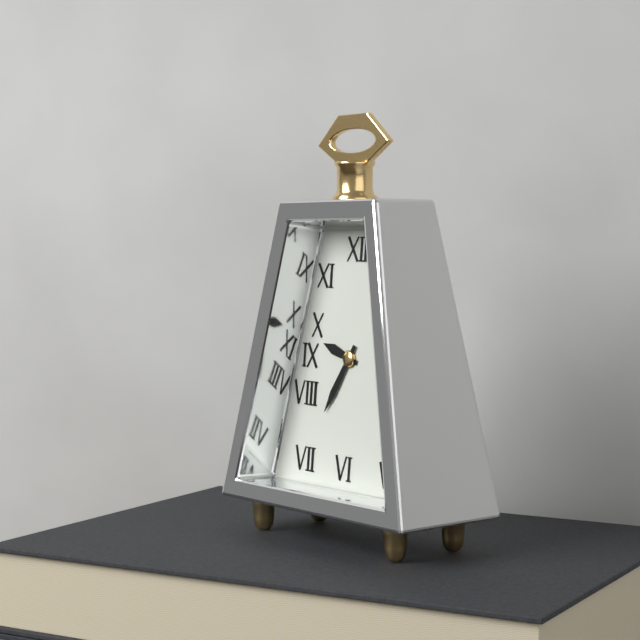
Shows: 9:35
